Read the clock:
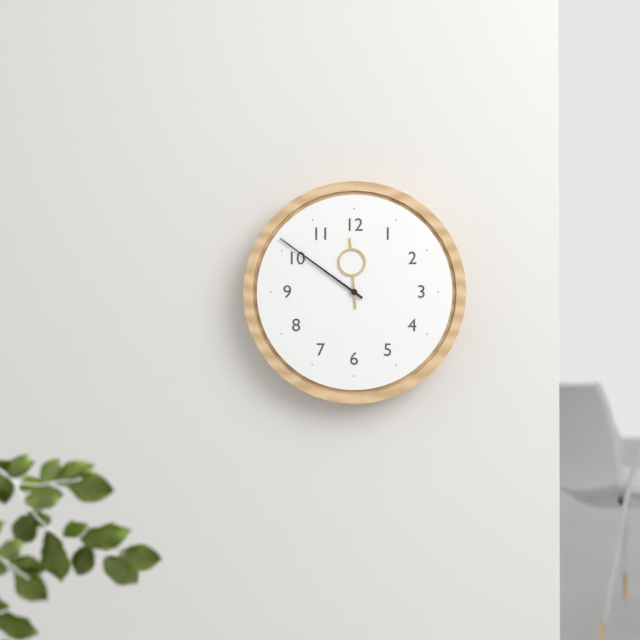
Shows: 11:51
